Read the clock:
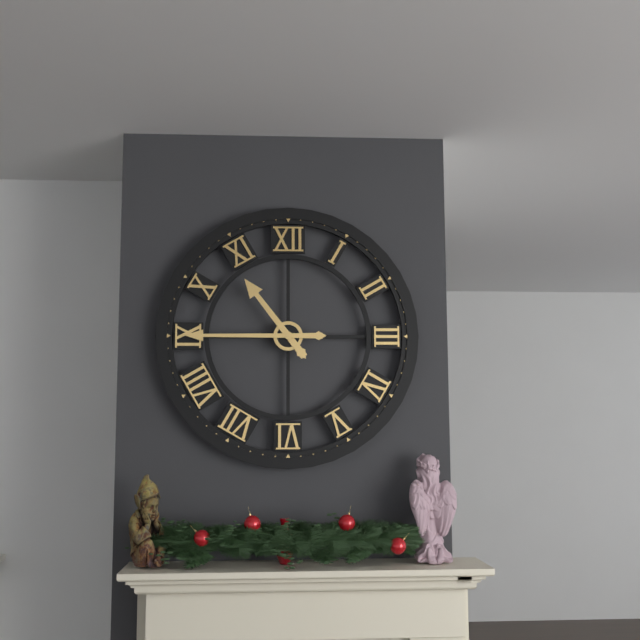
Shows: 10:45
